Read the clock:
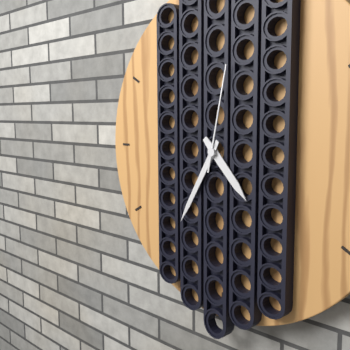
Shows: 4:35:02
